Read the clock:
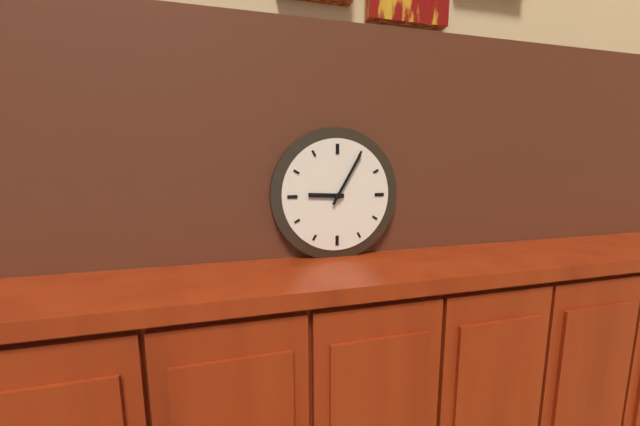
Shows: 9:05
